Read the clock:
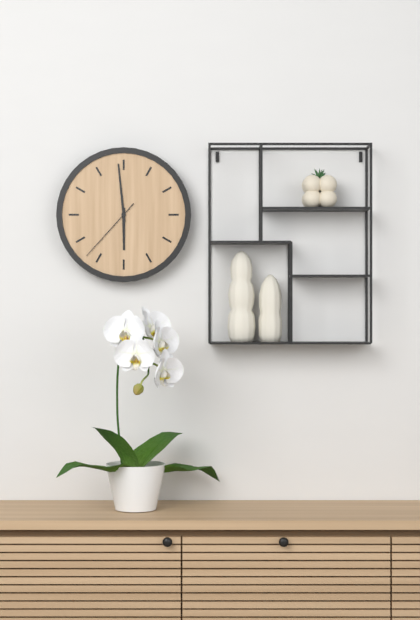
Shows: 5:59:37
